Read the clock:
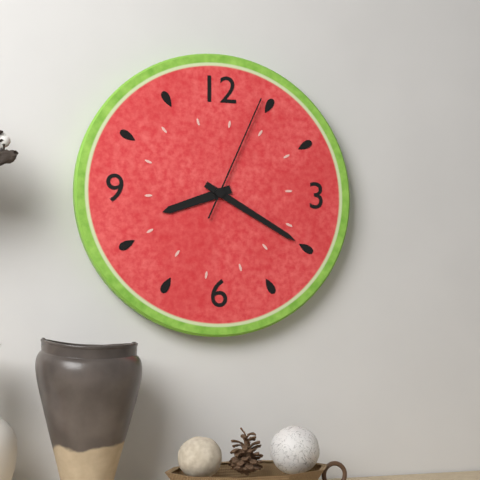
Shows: 8:20:04
